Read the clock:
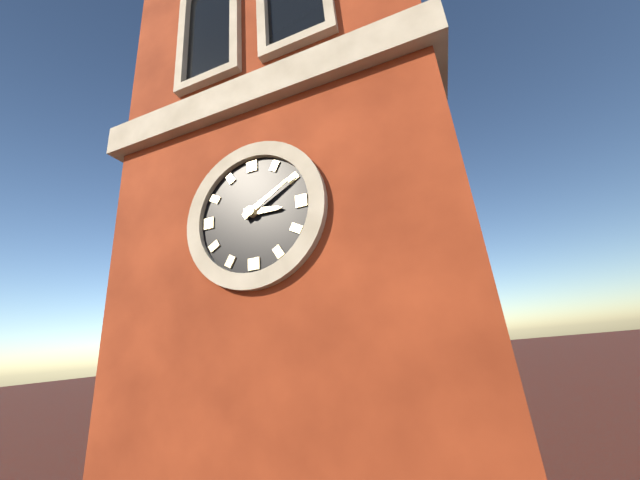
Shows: 3:10
